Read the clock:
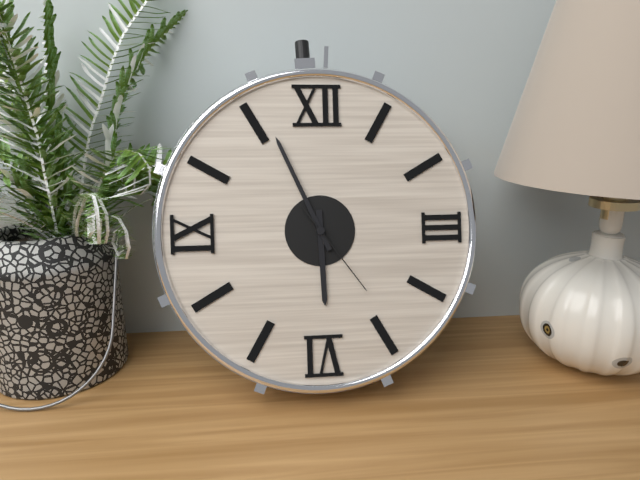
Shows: 5:56:24
